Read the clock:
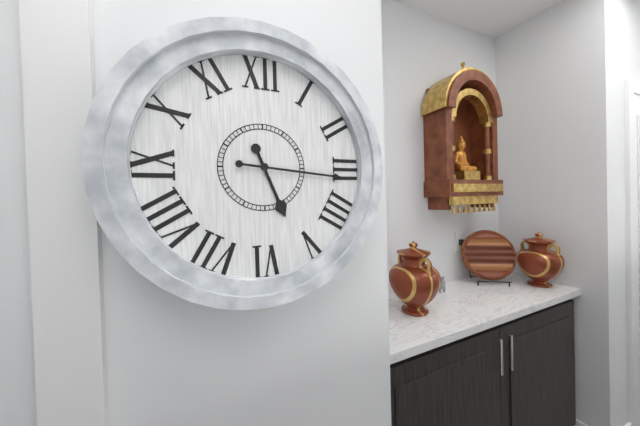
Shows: 5:16
